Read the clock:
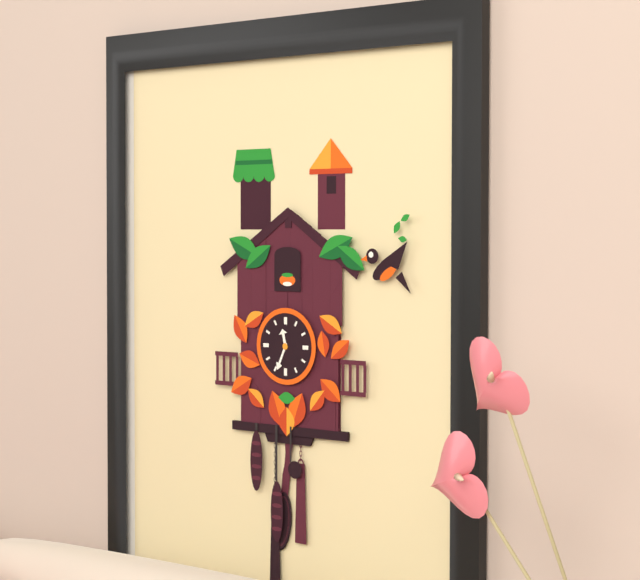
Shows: 11:34
